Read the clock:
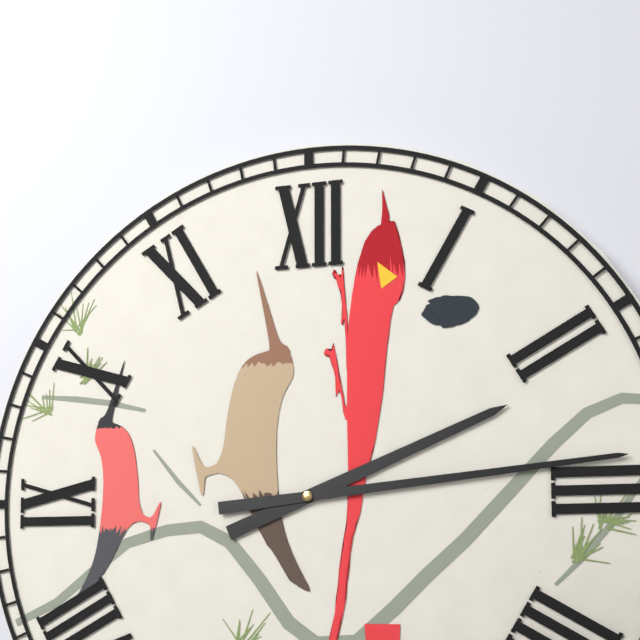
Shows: 2:14
